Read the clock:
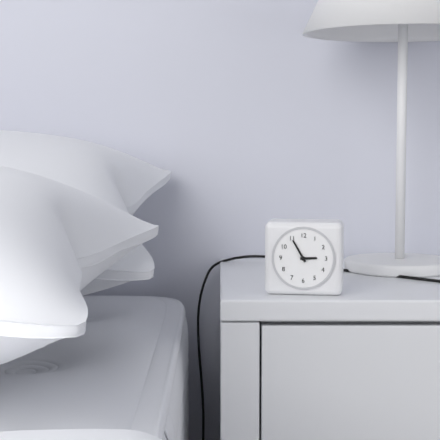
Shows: 2:55
